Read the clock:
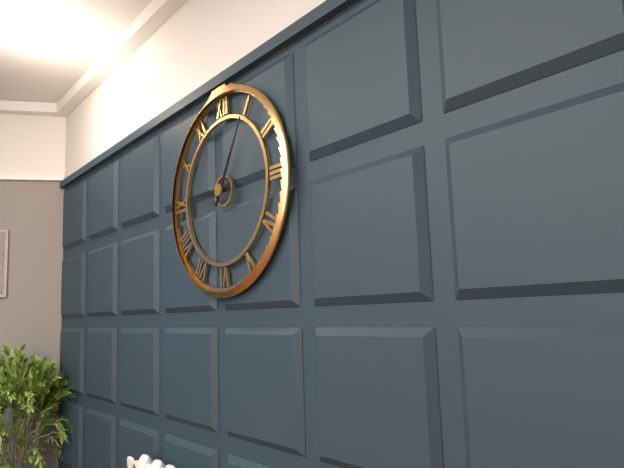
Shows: 9:05
